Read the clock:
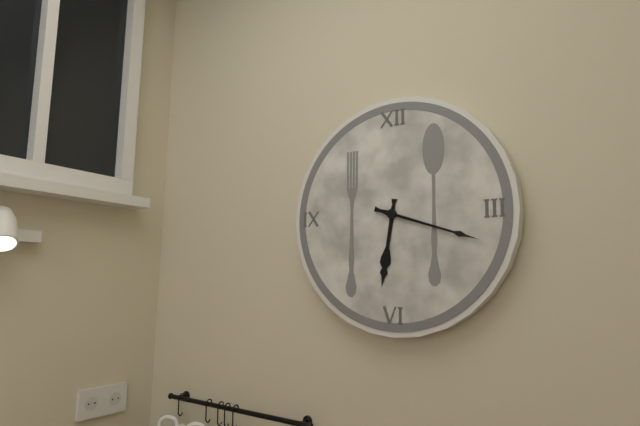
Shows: 6:18
